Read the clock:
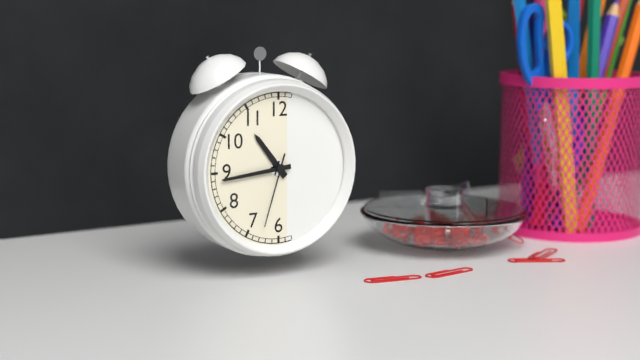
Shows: 10:44:33
